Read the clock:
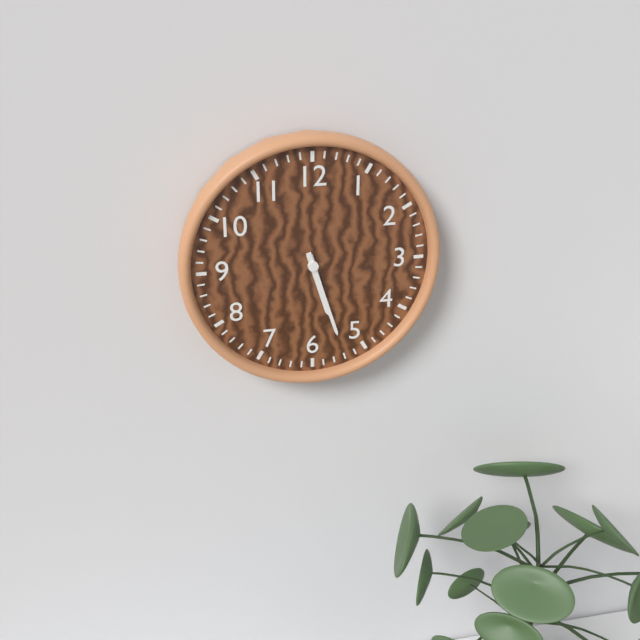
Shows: 5:27
